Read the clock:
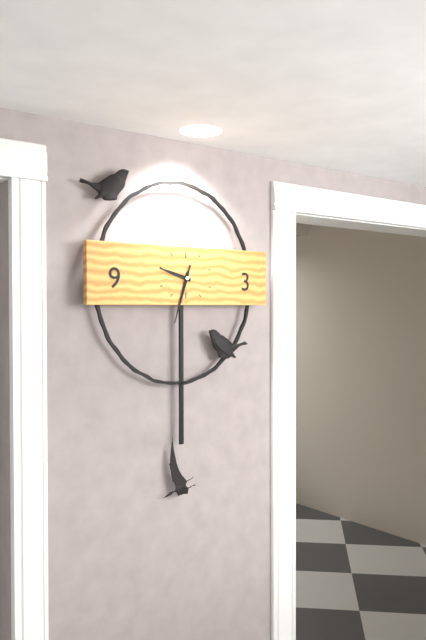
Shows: 9:33
